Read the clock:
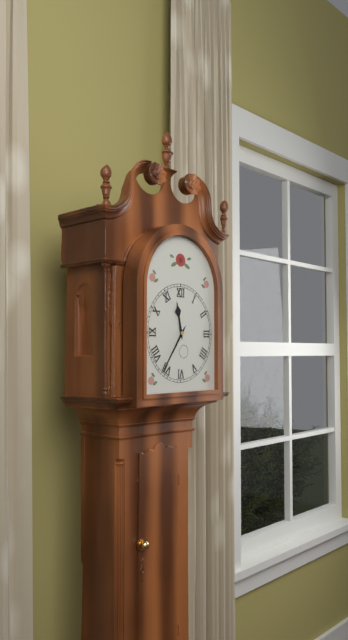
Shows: 11:36
